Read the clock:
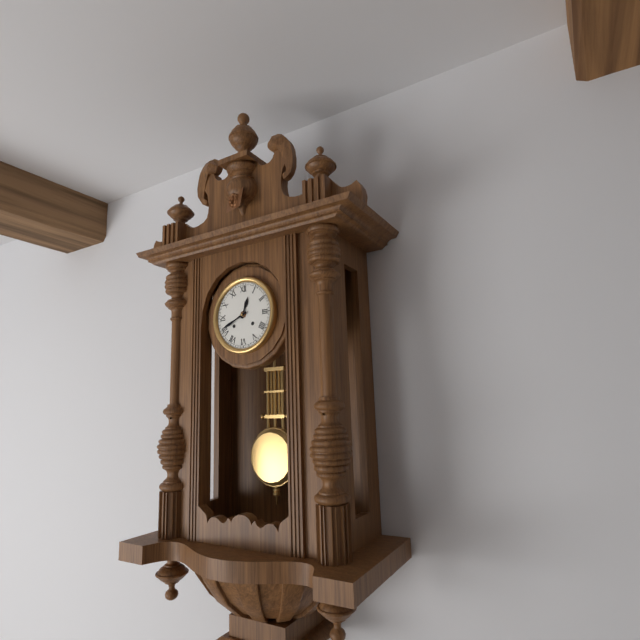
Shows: 12:41
